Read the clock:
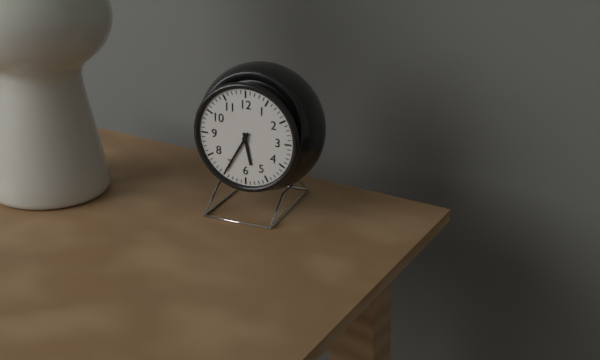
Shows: 5:35
